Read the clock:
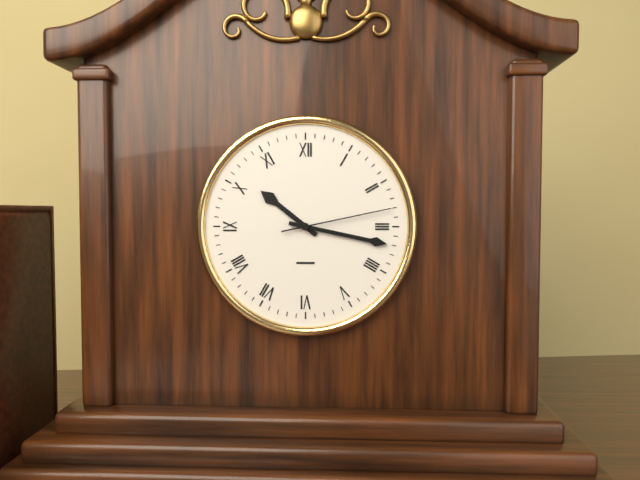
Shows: 10:17:13
